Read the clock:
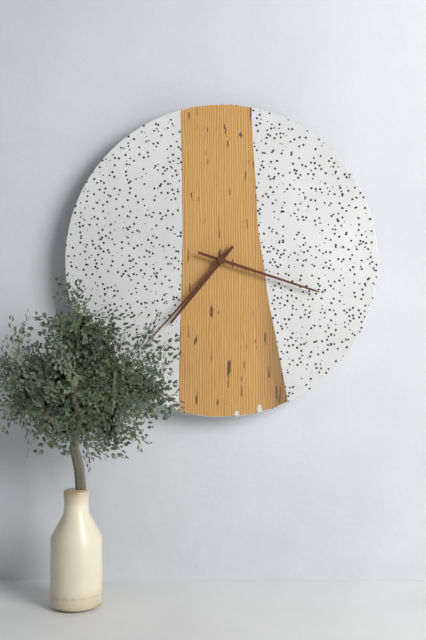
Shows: 7:18:37
